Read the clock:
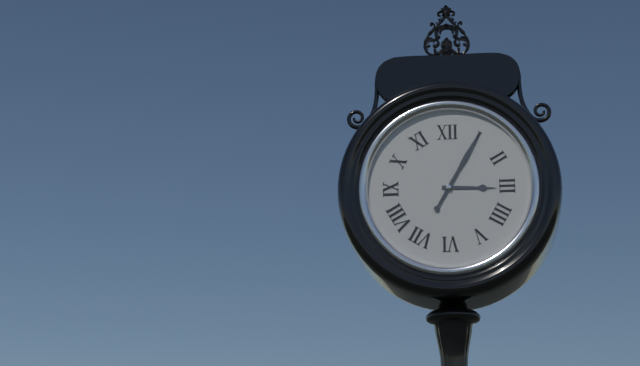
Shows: 3:05
